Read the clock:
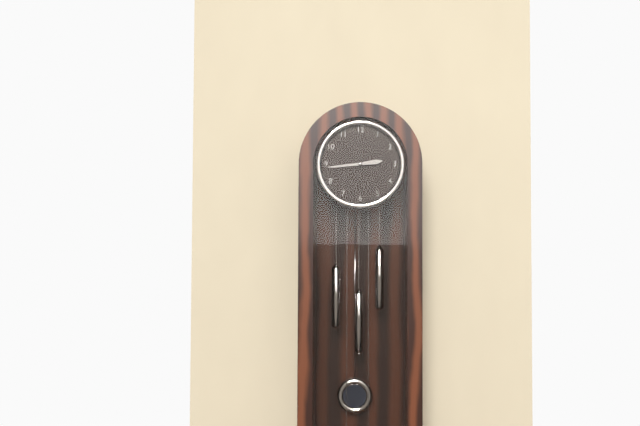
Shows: 2:44
